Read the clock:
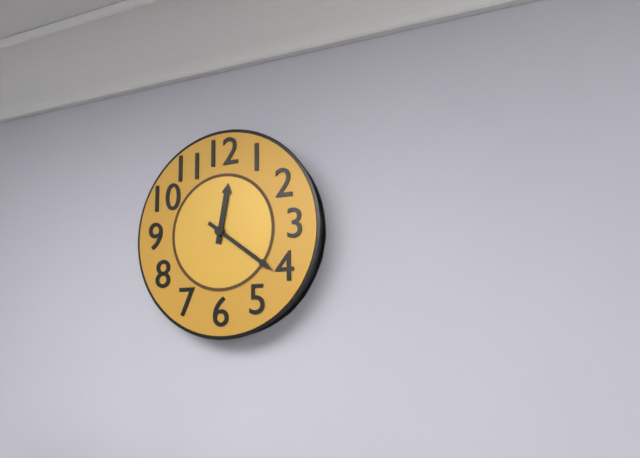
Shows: 12:21
